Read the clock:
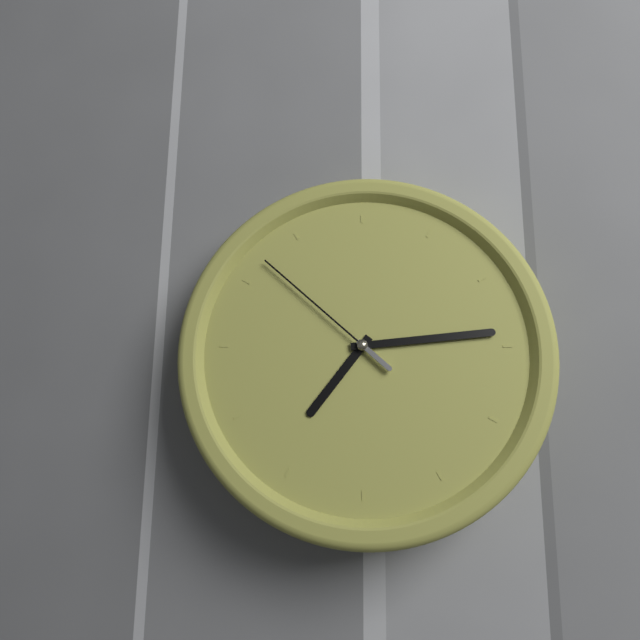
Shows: 7:14:52
